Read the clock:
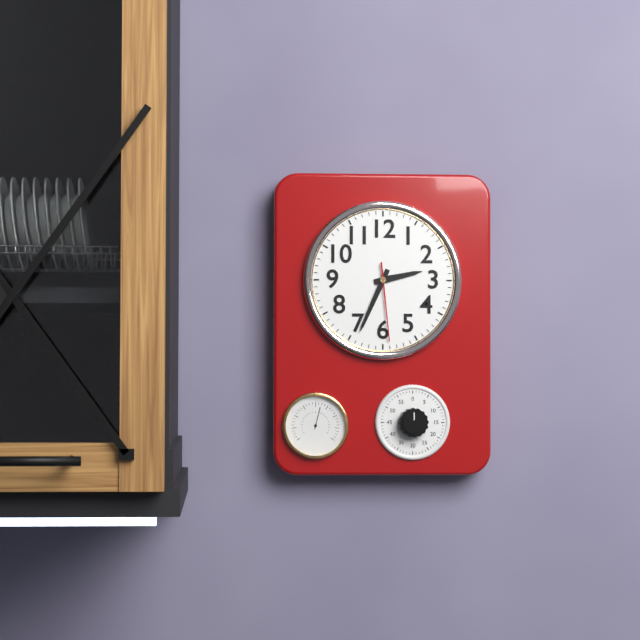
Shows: 2:34:29
